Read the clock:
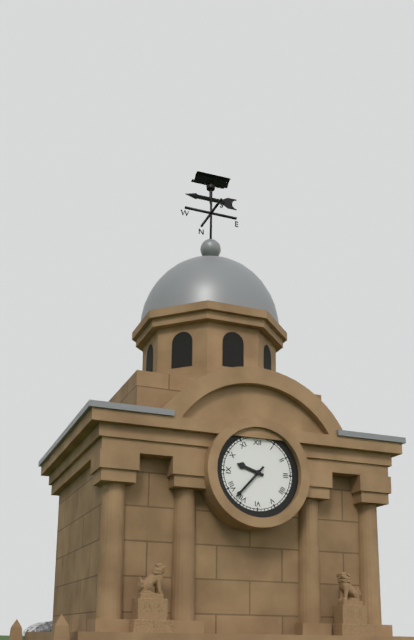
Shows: 9:37
